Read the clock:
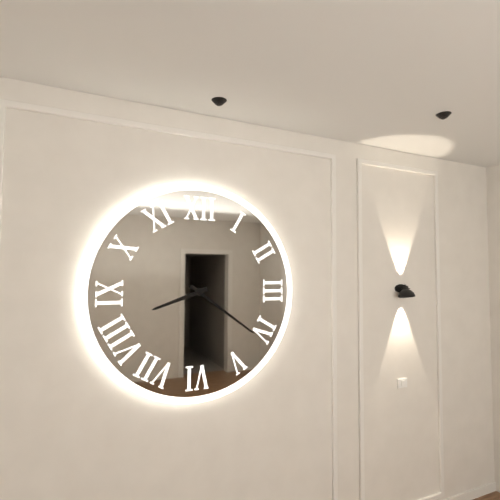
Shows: 8:21
